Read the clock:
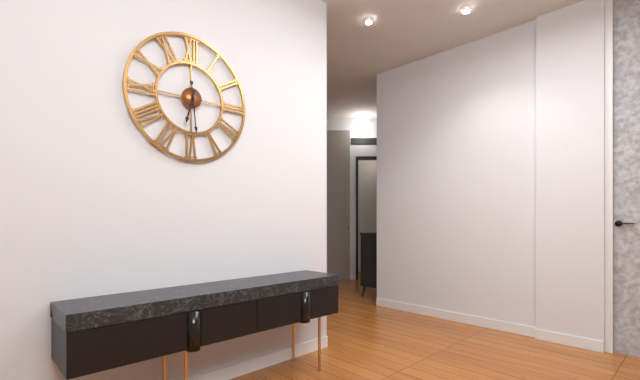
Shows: 6:29
